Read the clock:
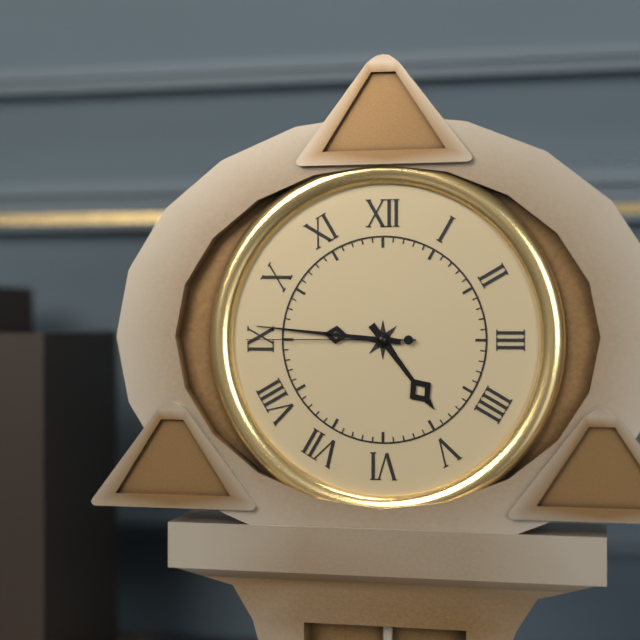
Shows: 4:46:45
